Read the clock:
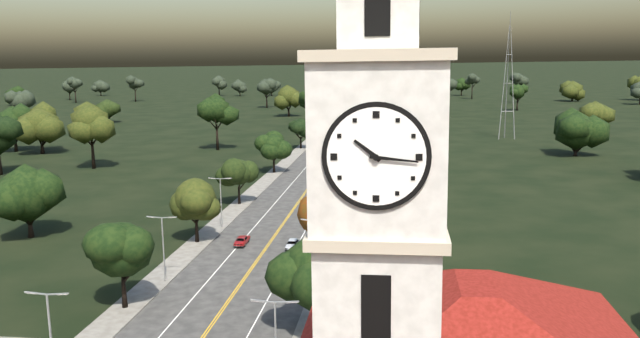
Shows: 10:16
